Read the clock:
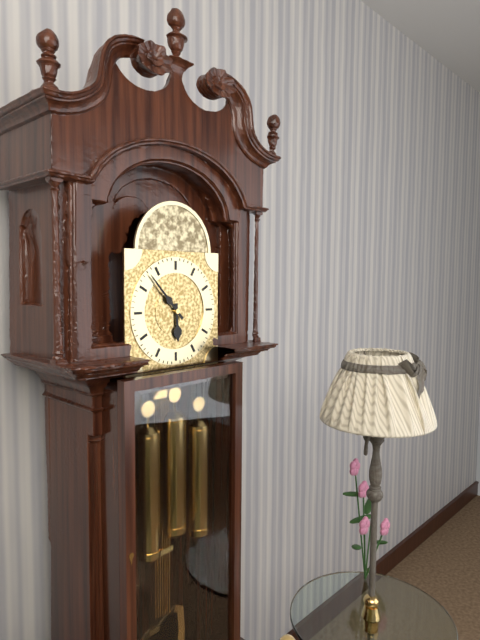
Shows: 5:53
